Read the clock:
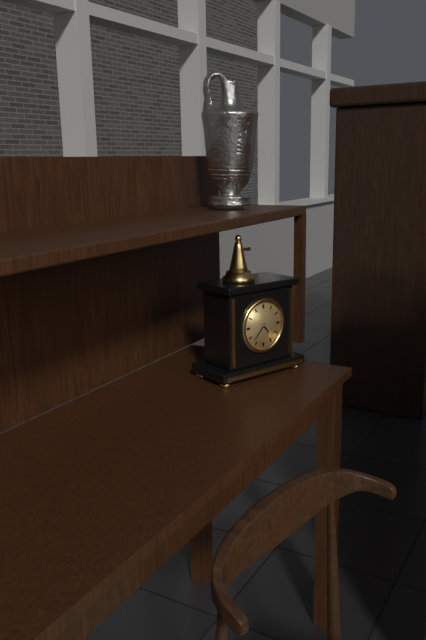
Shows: 4:37
